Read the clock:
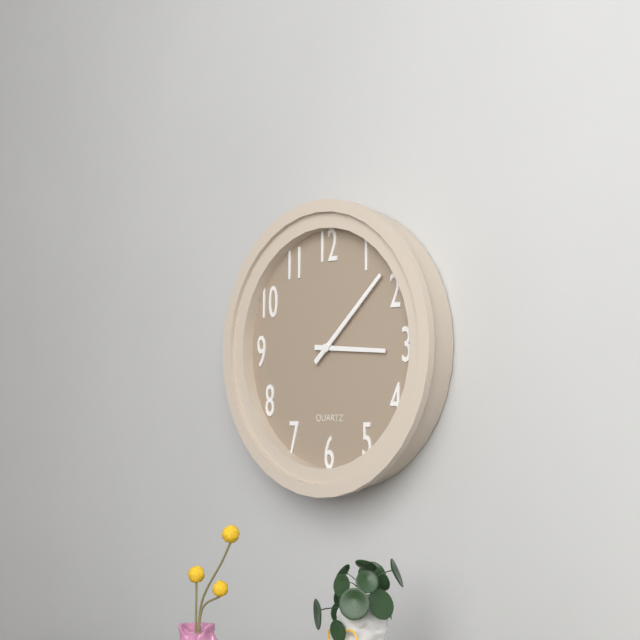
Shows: 3:08
